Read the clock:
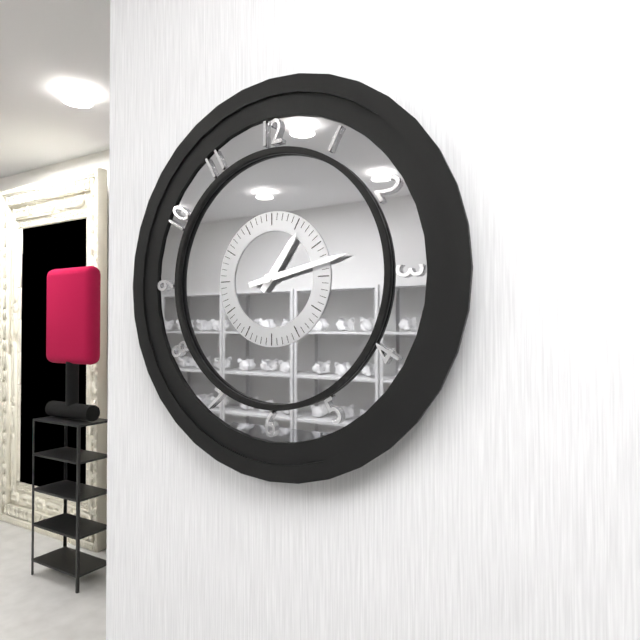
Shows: 1:13
